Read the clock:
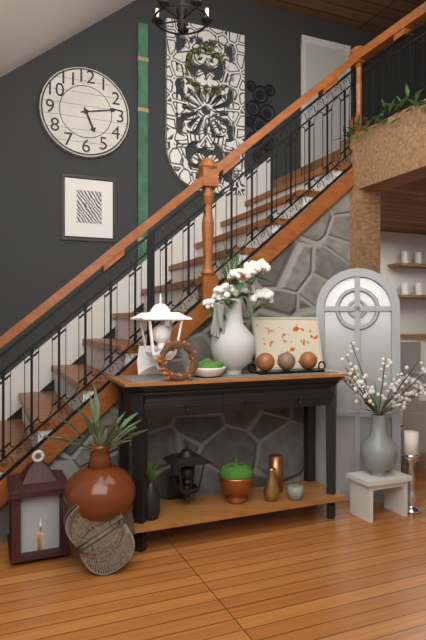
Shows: 5:13
